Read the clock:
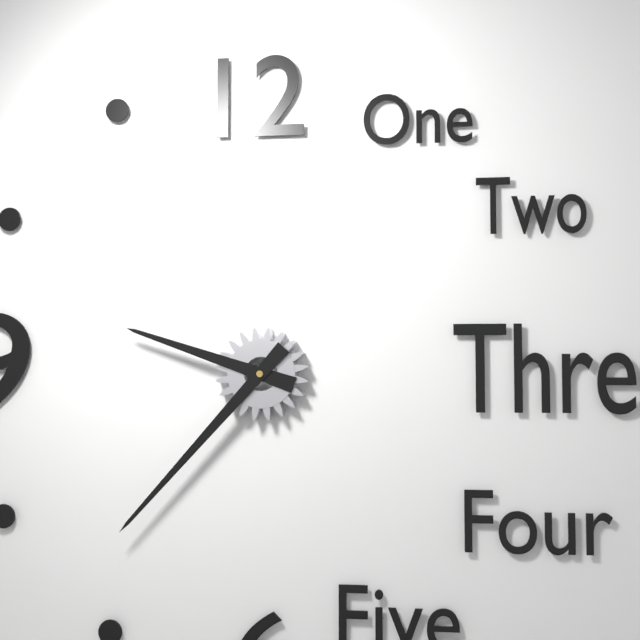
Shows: 9:37
